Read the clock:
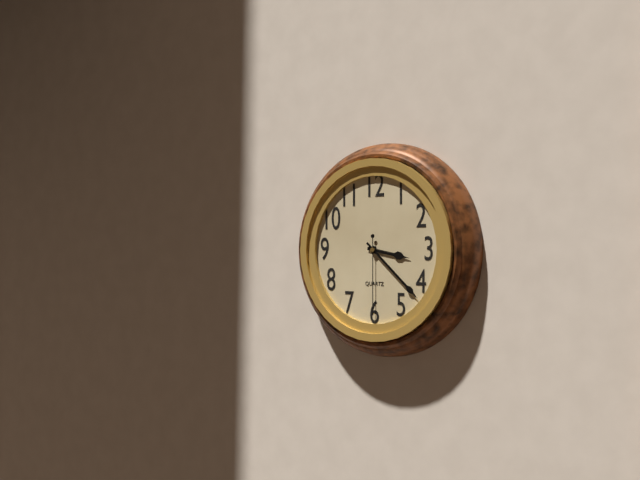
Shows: 3:22:30
